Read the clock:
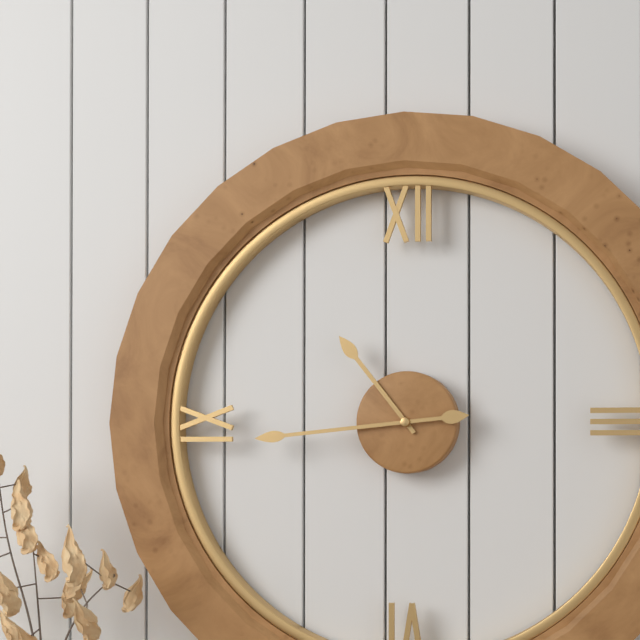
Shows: 10:44
